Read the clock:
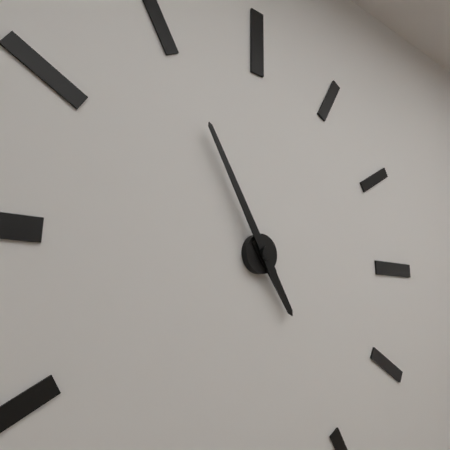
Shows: 4:55
